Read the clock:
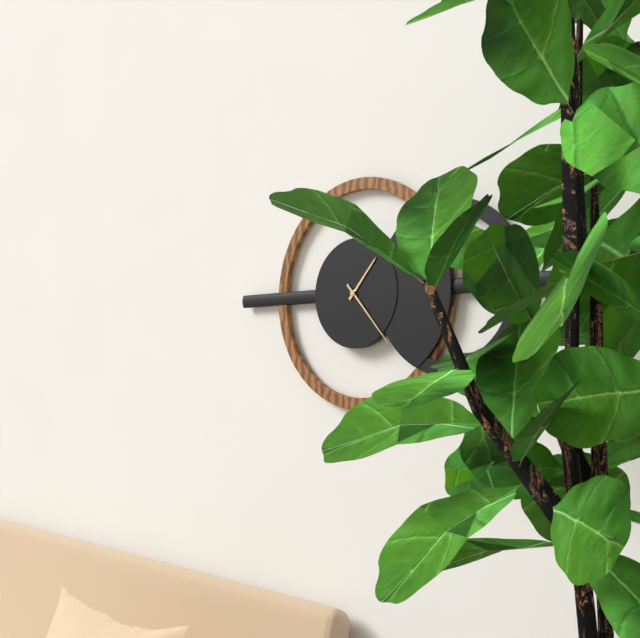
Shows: 1:23
